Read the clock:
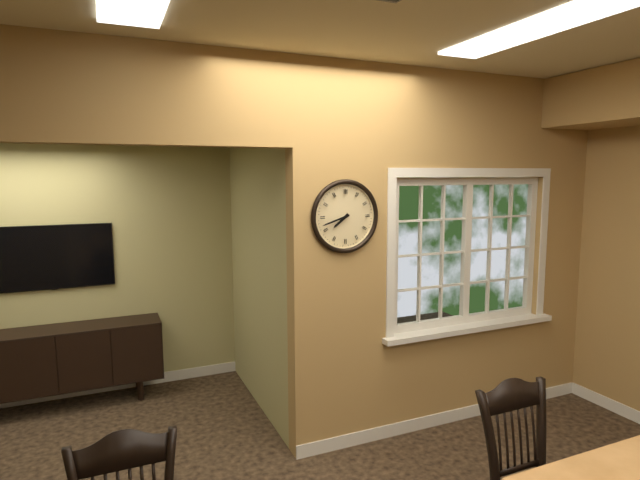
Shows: 7:42
